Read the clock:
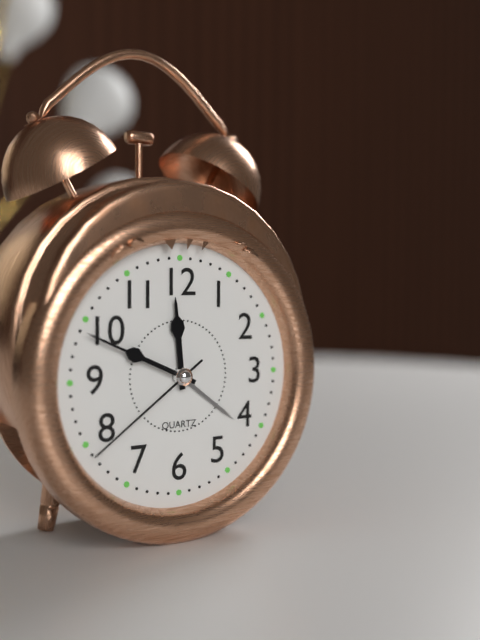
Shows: 11:49:39
